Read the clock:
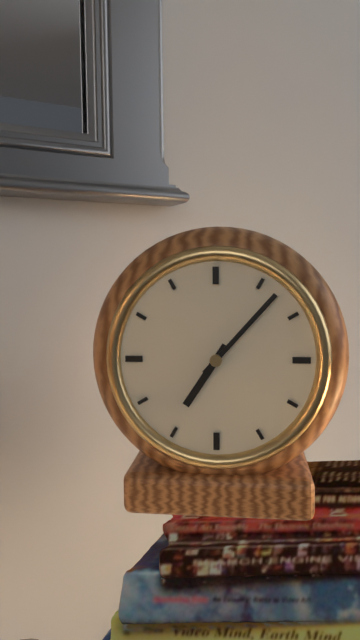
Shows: 7:07
